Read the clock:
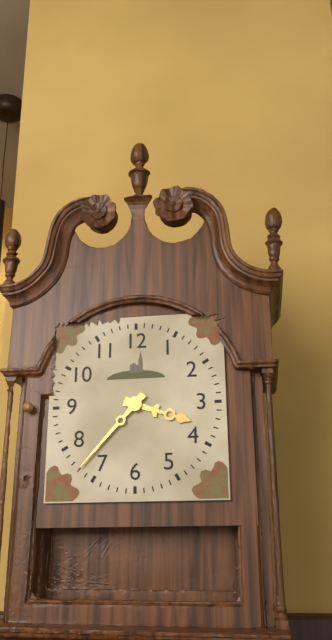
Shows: 3:37
